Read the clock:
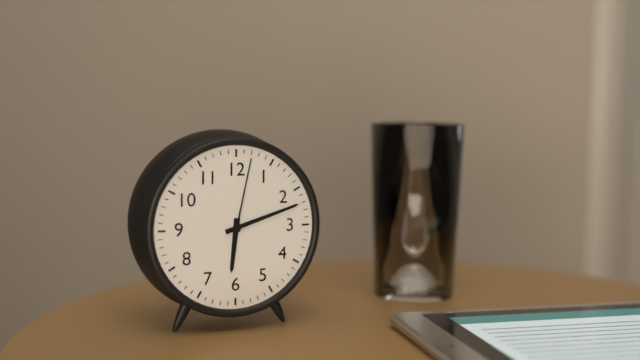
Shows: 6:12:02
